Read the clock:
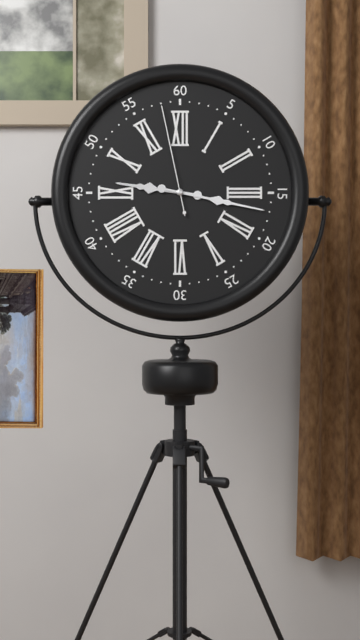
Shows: 9:17:58
